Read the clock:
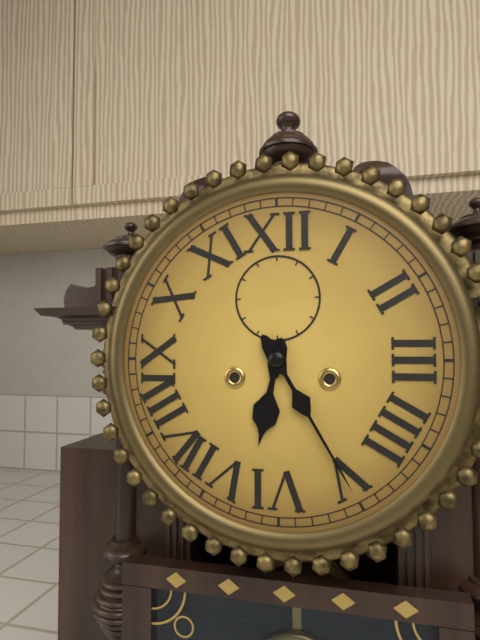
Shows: 6:25
